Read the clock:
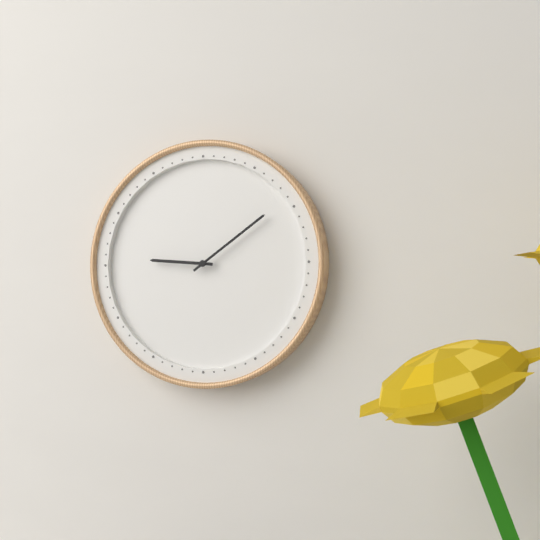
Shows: 9:09
